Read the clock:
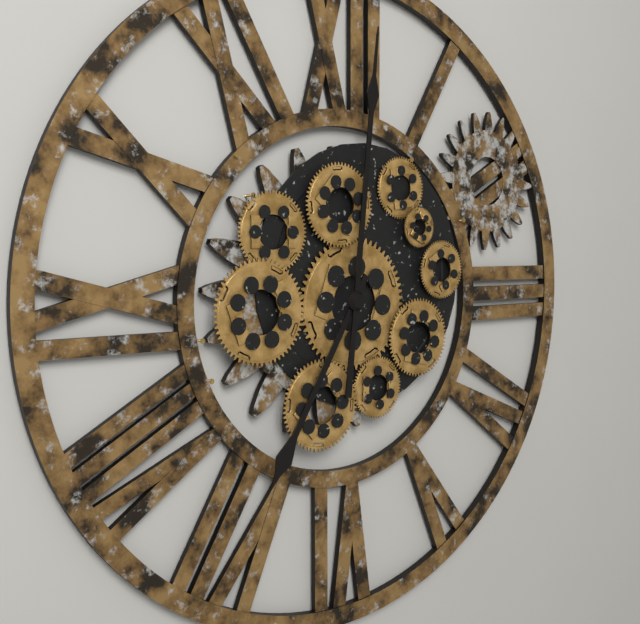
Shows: 7:01
